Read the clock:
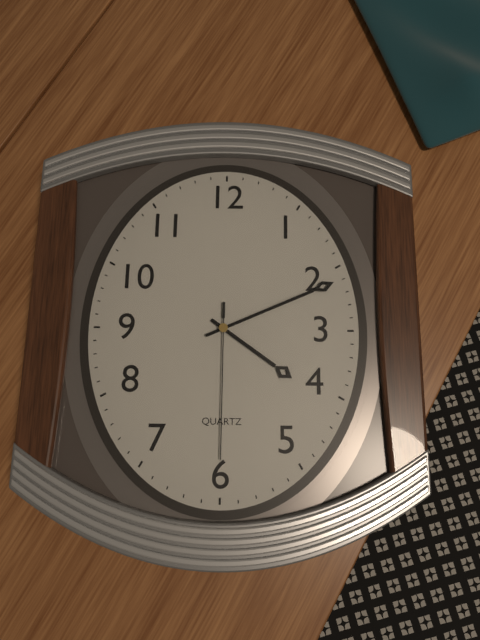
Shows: 4:11:30
